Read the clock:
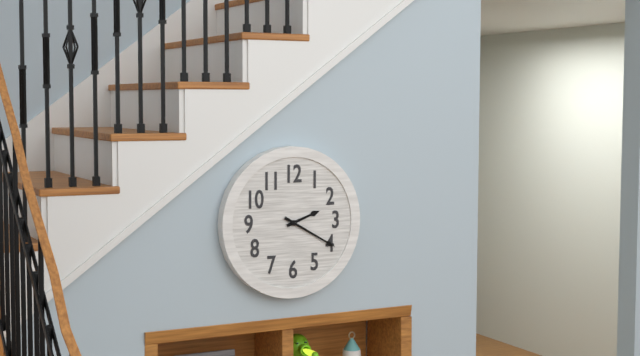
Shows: 2:20
